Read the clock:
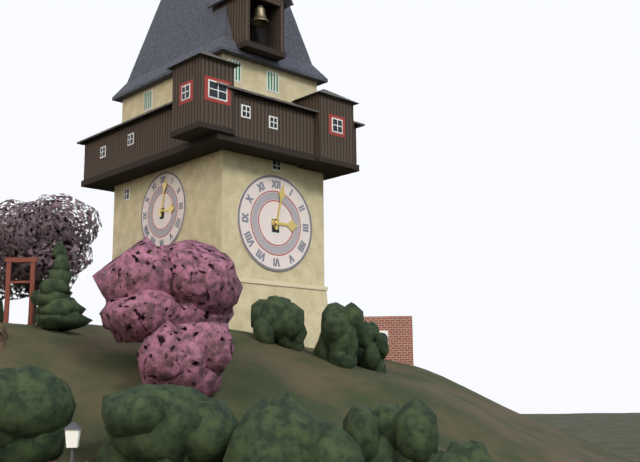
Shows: 3:02
